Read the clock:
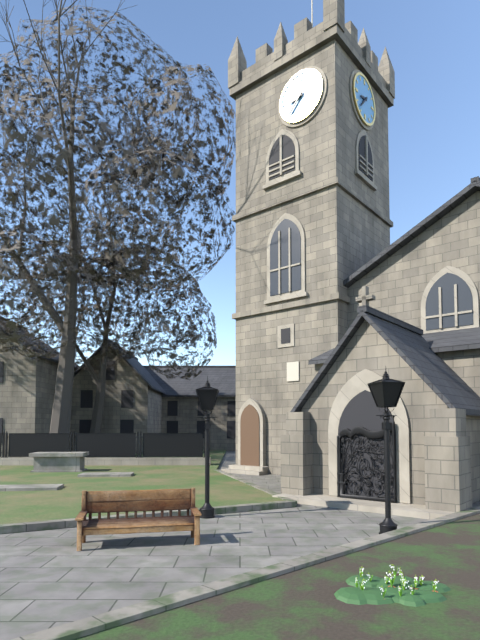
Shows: 8:37
